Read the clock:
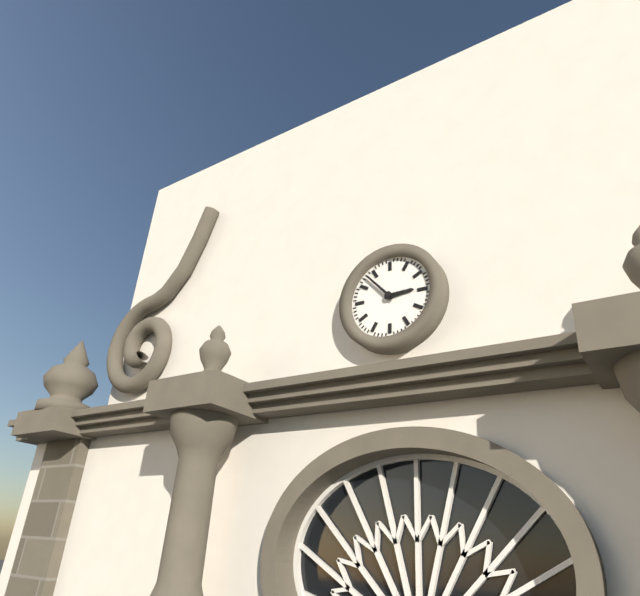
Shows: 2:53
